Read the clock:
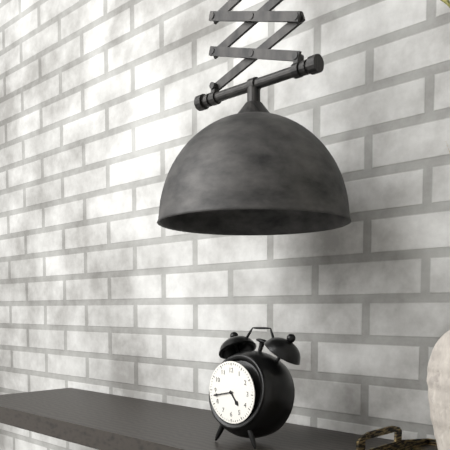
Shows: 4:43
